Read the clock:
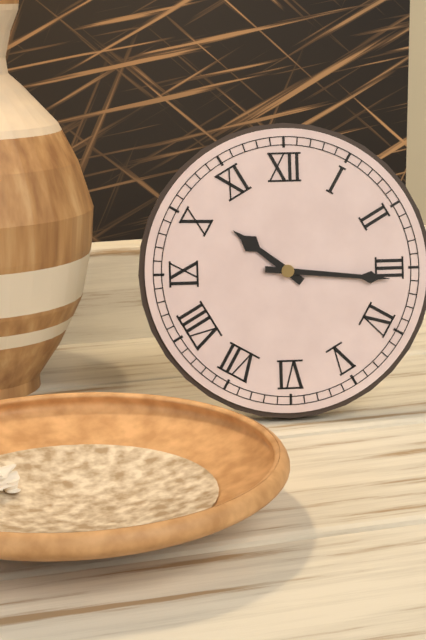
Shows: 10:16
